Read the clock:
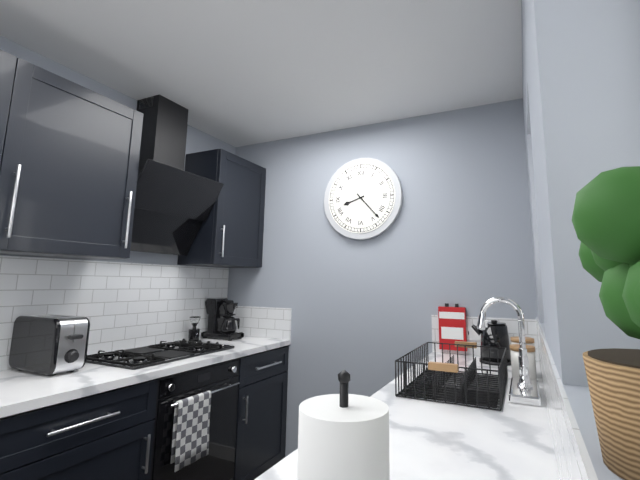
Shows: 8:23
